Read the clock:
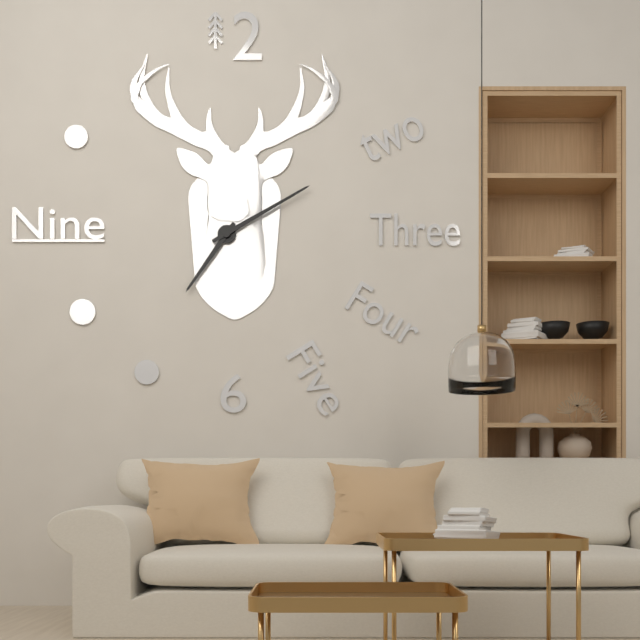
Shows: 7:10
